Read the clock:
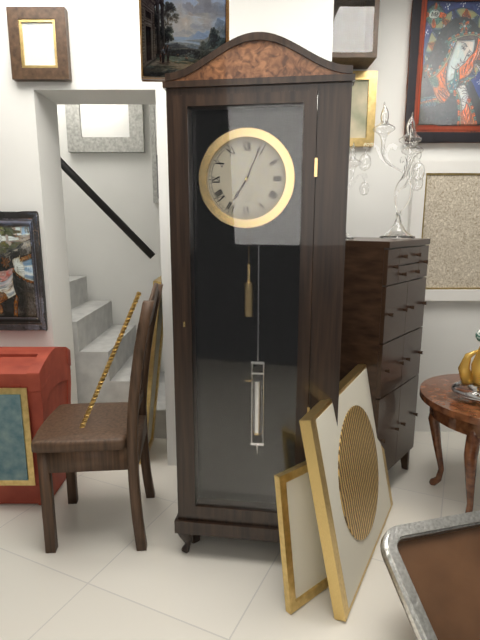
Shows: 7:04
